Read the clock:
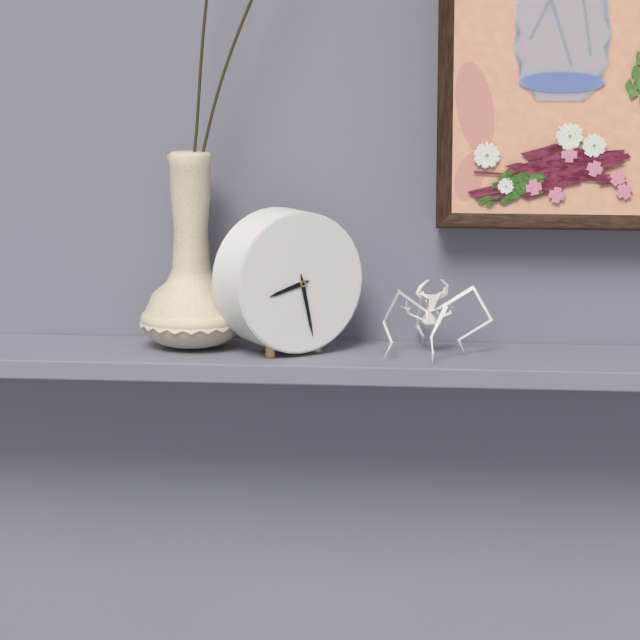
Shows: 8:28
